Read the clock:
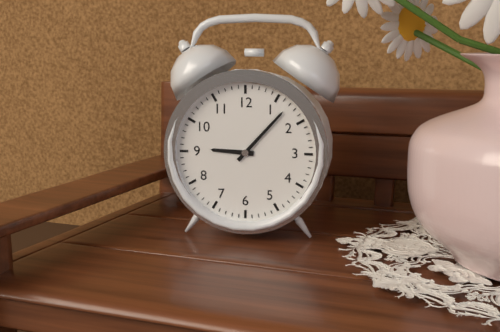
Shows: 9:07
